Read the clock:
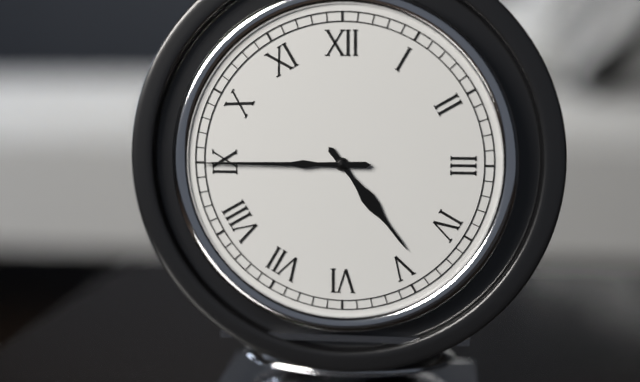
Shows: 4:45
